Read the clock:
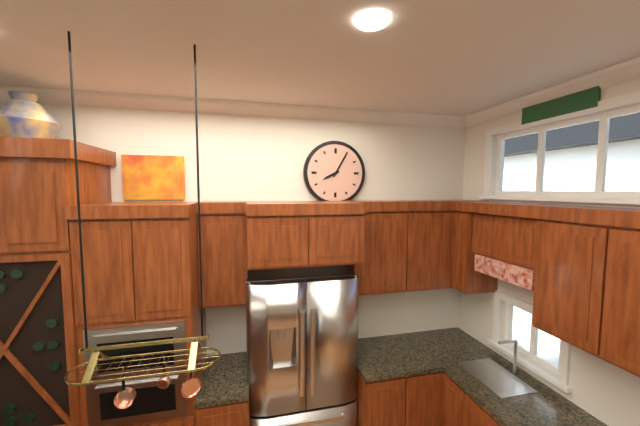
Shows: 8:05
